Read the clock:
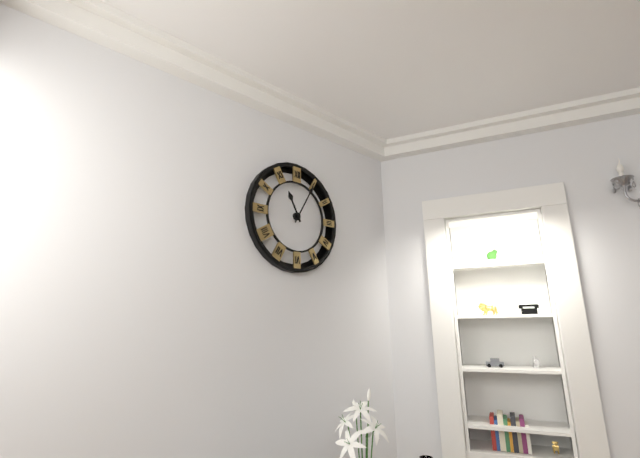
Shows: 11:05
